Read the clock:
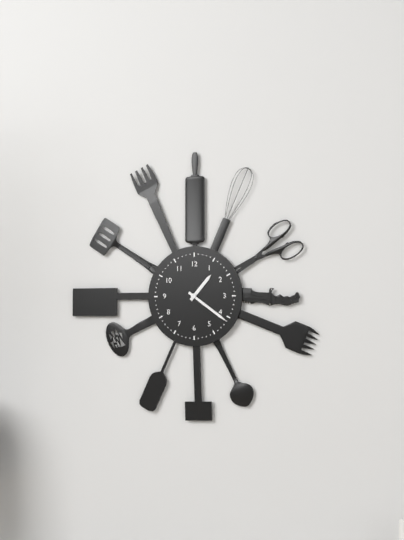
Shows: 1:21
